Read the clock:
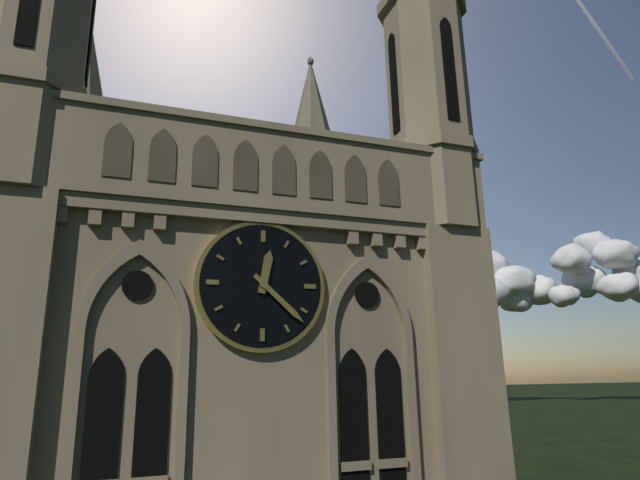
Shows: 12:22
